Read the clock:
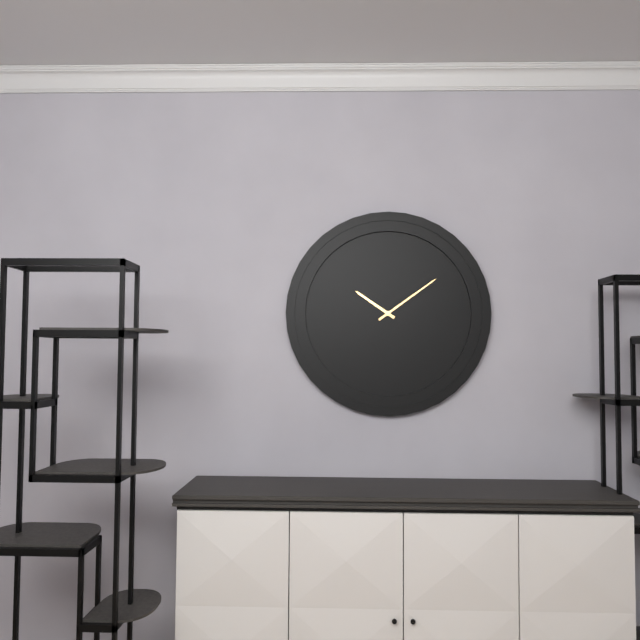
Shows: 10:09
